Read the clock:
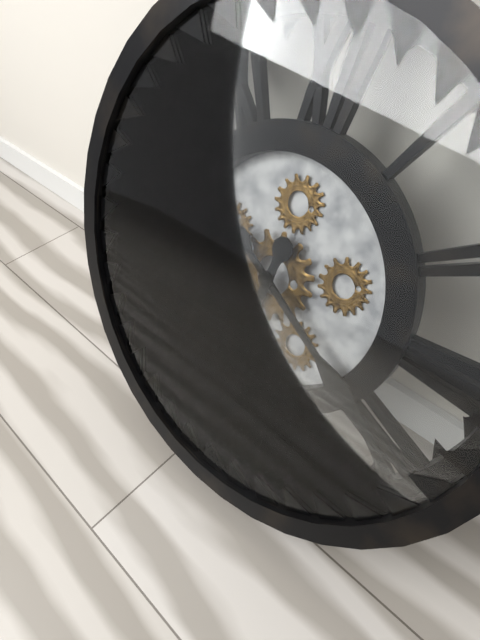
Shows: 6:20
